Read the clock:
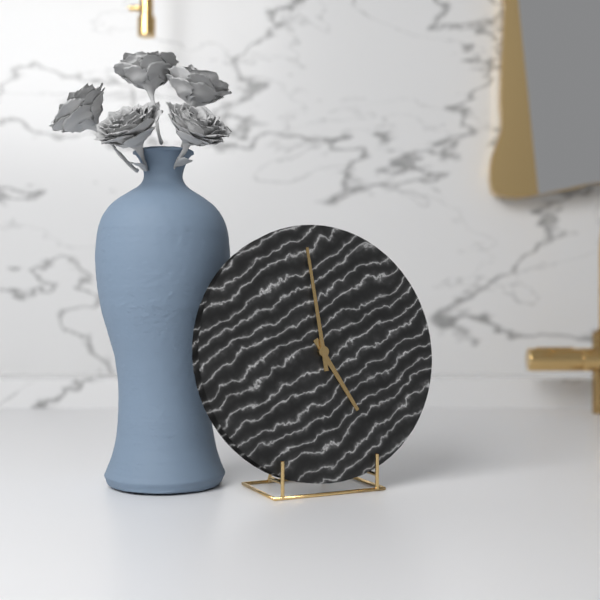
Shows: 4:59
